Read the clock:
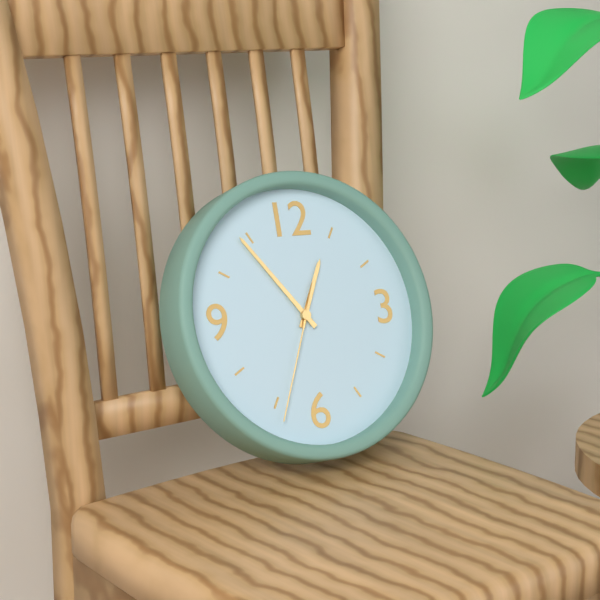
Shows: 12:54:34
